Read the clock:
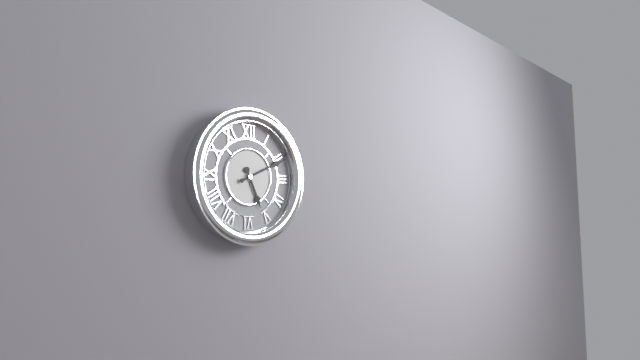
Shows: 5:11
